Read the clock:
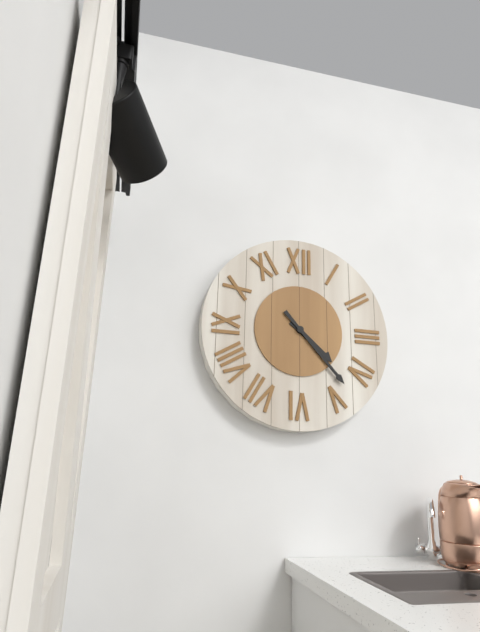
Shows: 4:23
